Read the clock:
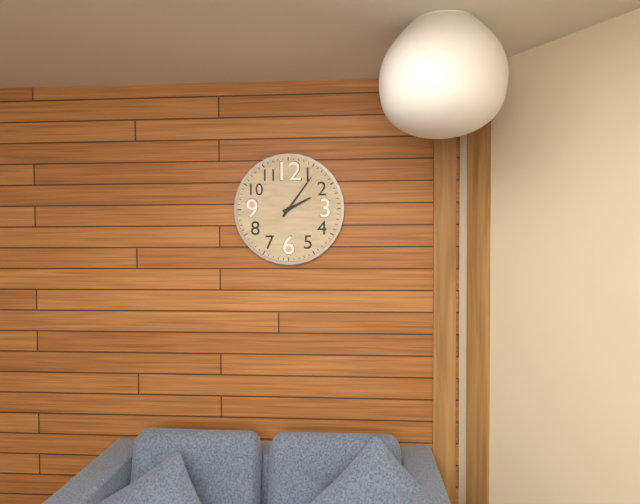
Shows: 2:06
